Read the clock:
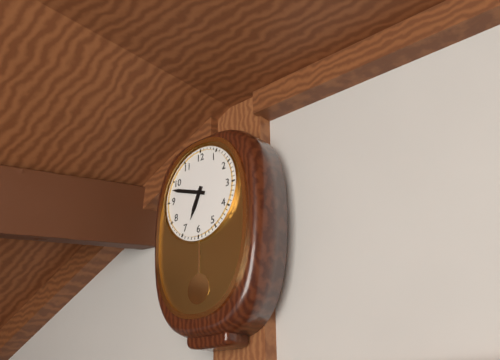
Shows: 6:48
